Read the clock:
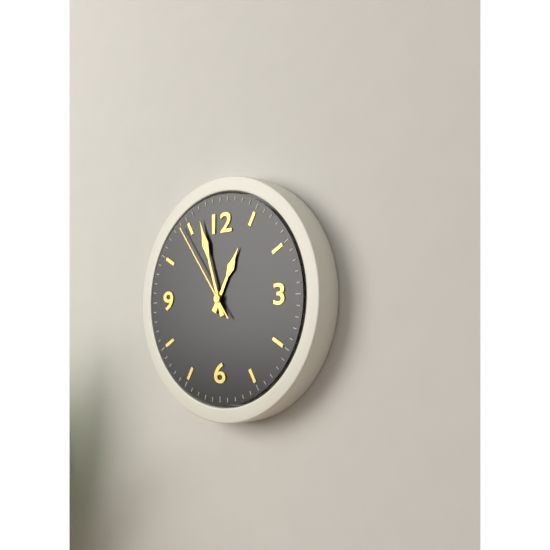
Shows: 12:57:54
